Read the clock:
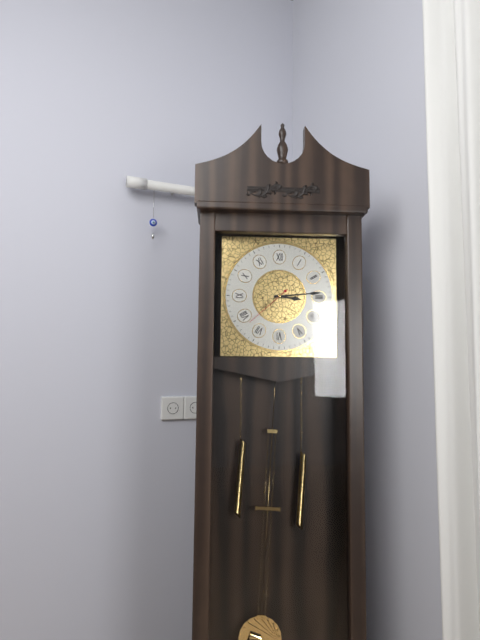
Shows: 3:14:38
